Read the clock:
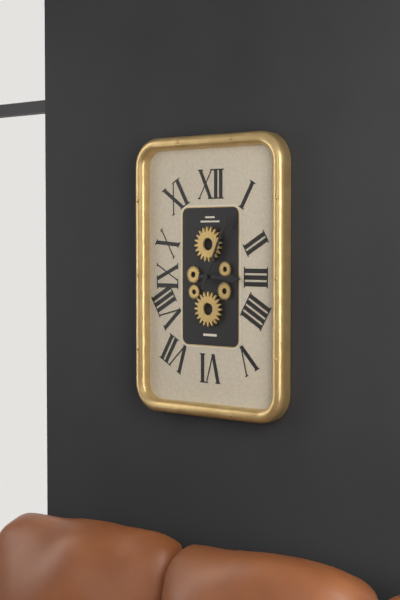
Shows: 3:04
